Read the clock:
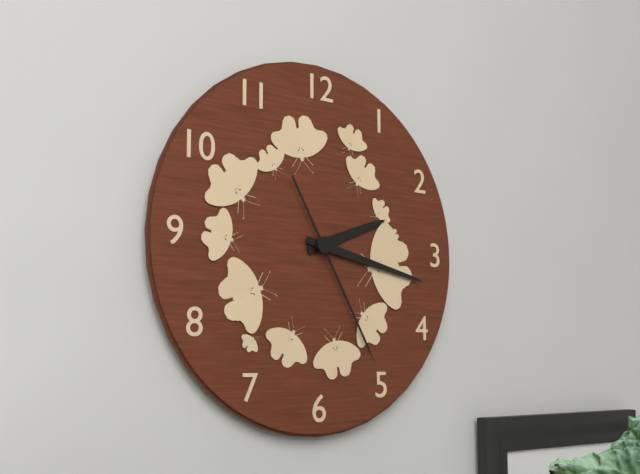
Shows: 2:17:25
